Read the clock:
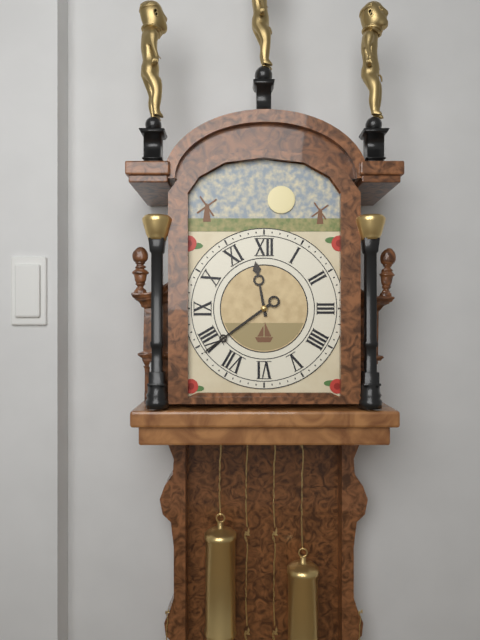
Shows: 11:39
